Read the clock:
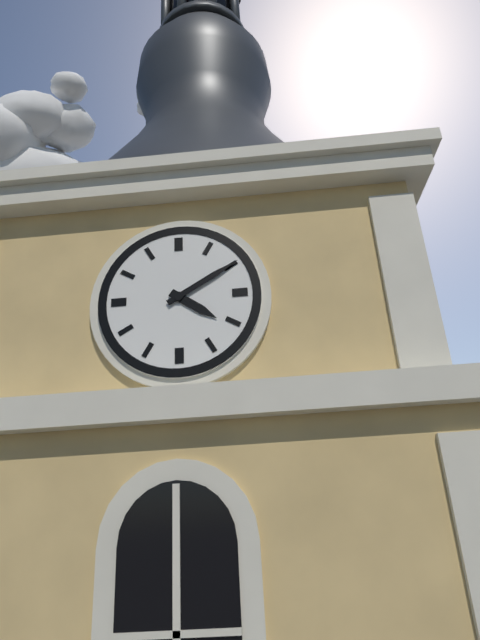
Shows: 4:10
